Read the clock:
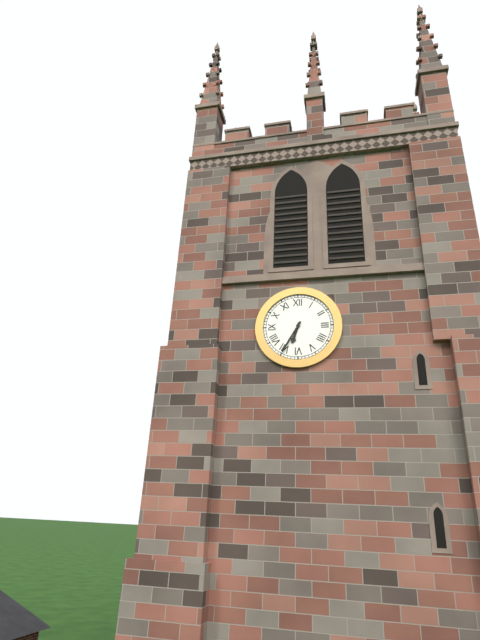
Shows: 6:35
